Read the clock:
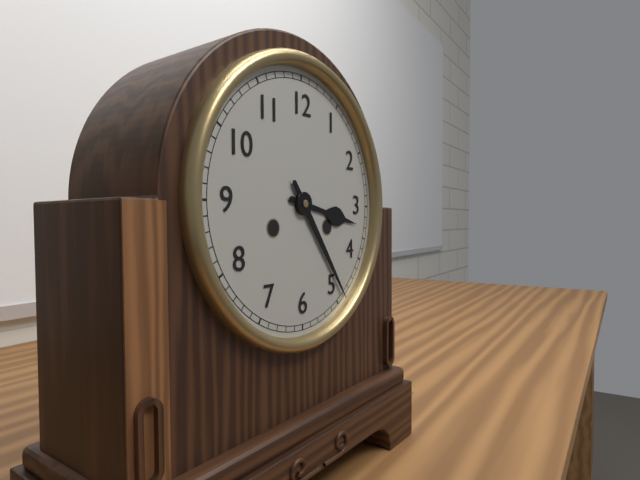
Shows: 3:24
